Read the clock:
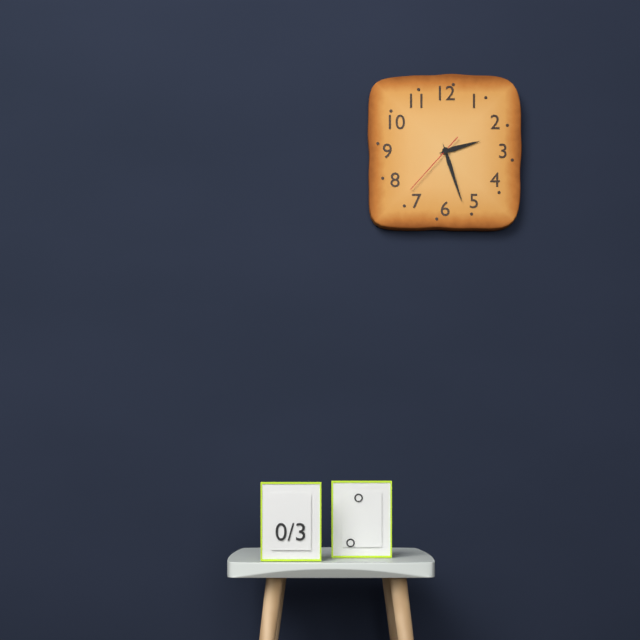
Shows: 2:27:37
